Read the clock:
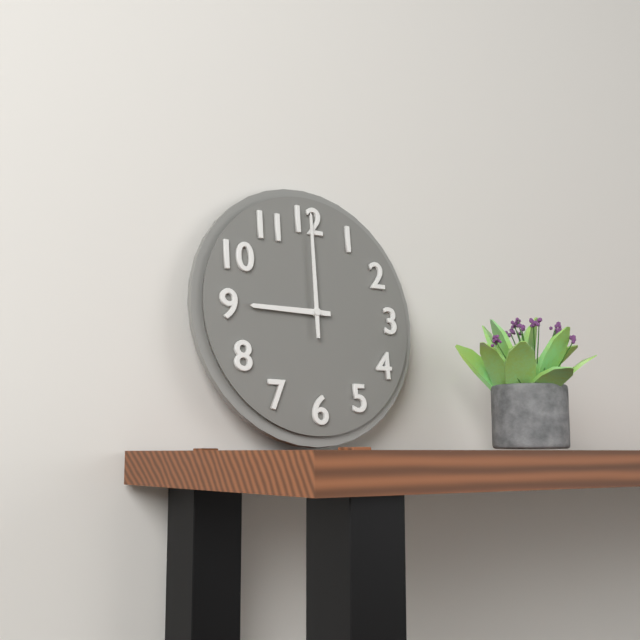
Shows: 9:00
